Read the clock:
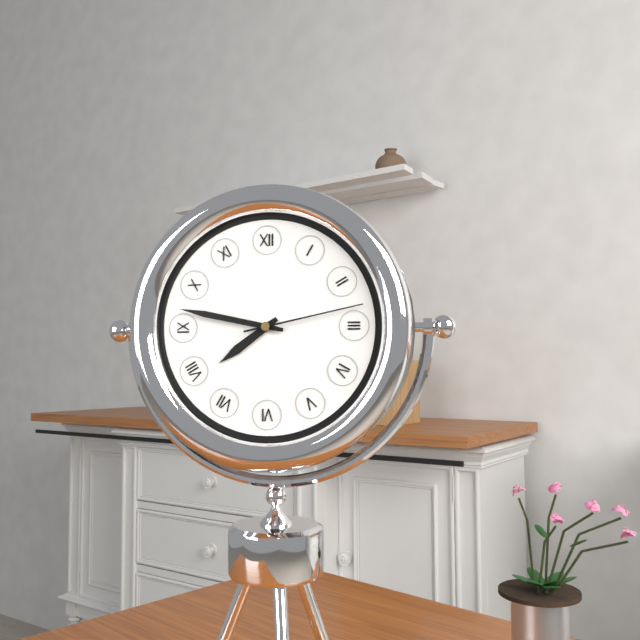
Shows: 7:47:13
